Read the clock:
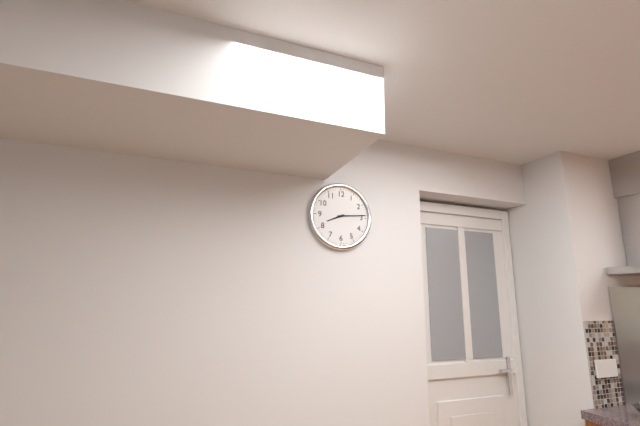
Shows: 8:14
